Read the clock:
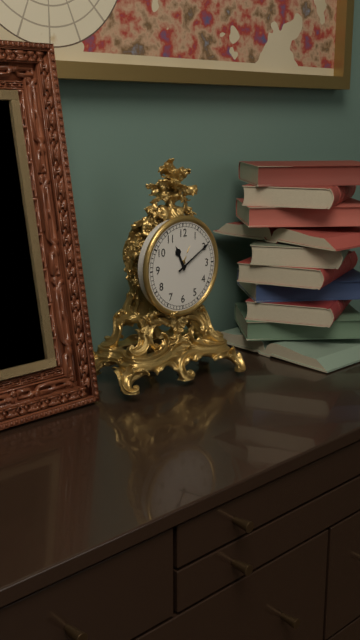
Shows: 11:10
